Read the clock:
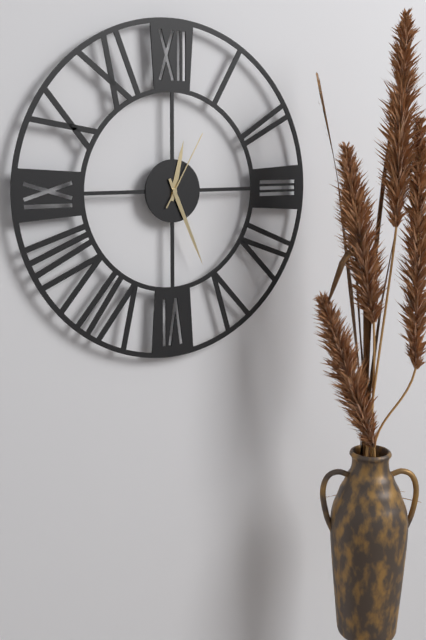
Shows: 12:26:05
